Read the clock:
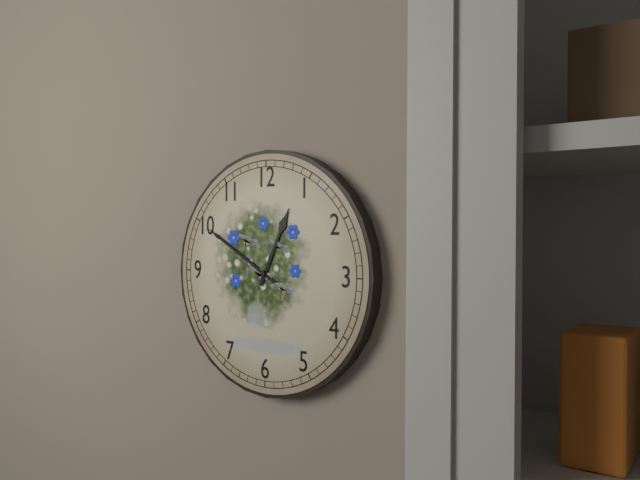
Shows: 12:50
